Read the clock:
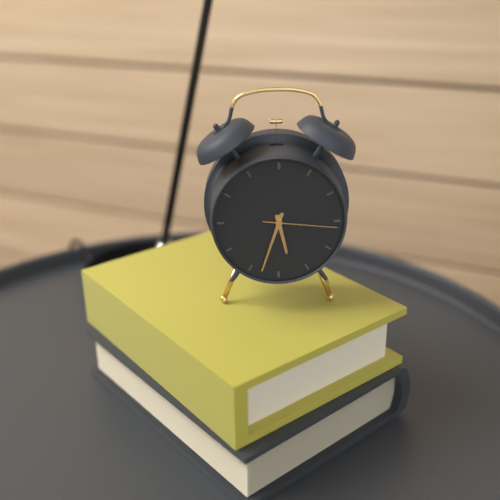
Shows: 5:33:16
